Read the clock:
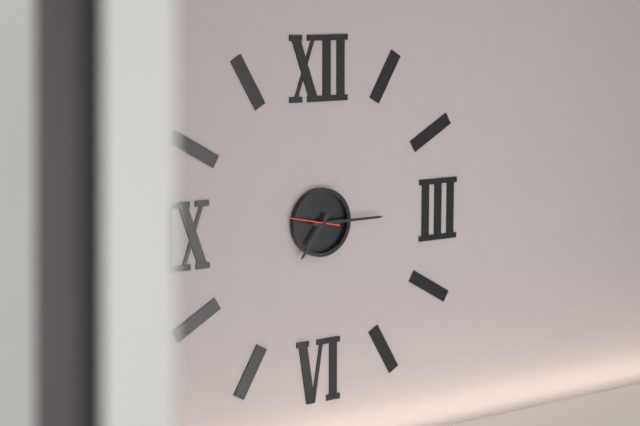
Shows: 7:15
